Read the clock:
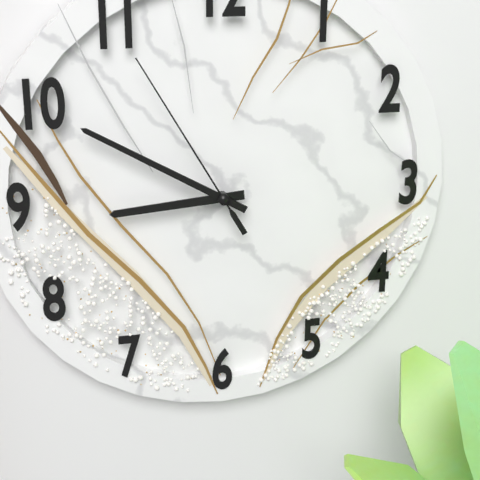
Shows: 8:50:55
